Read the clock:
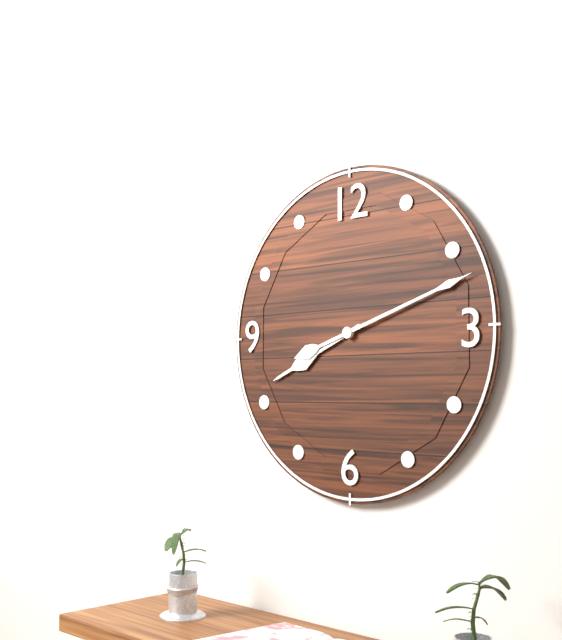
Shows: 8:12
